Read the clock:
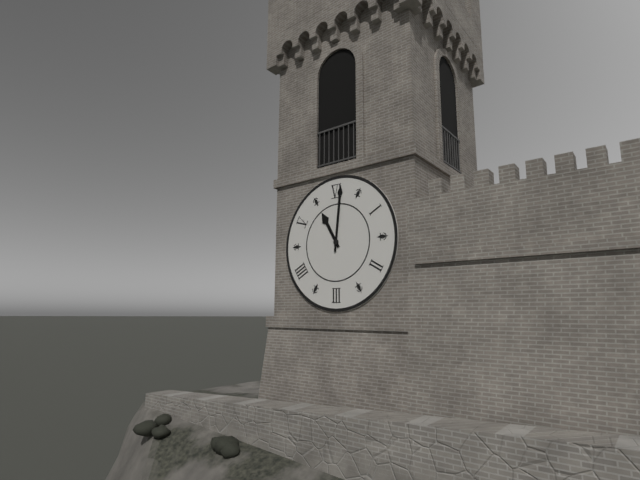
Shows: 11:01
